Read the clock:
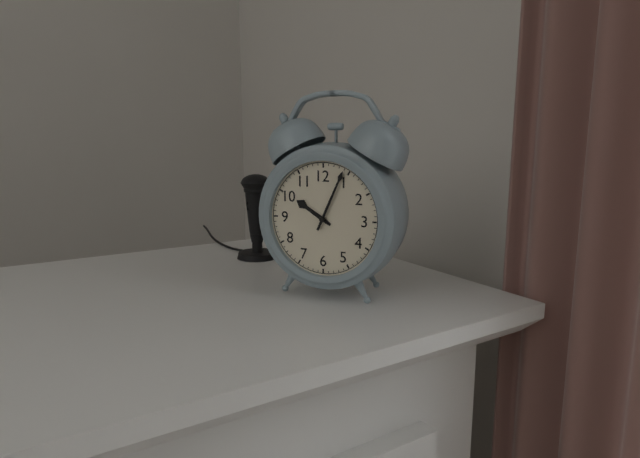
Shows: 10:04
